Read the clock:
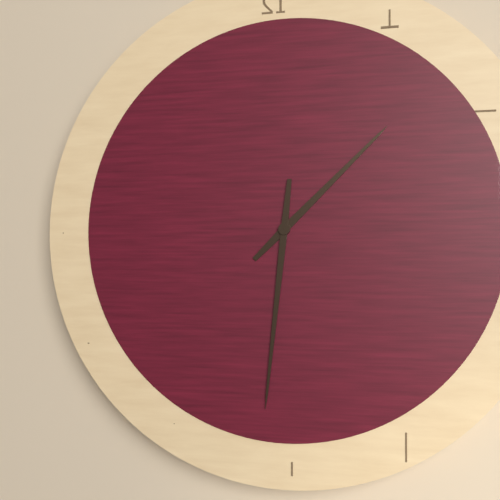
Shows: 1:31
